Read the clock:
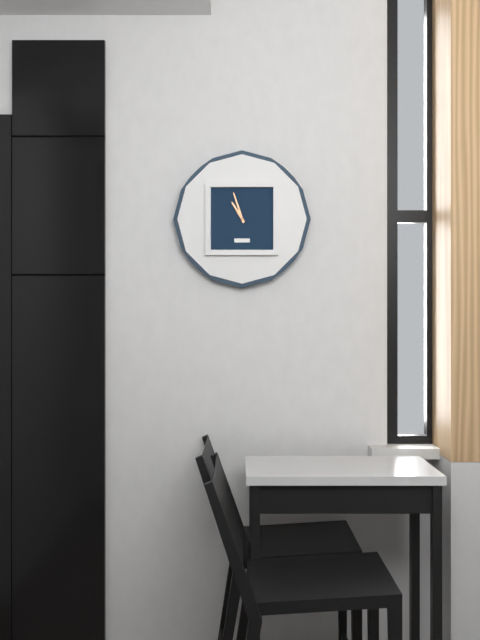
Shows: 10:57
